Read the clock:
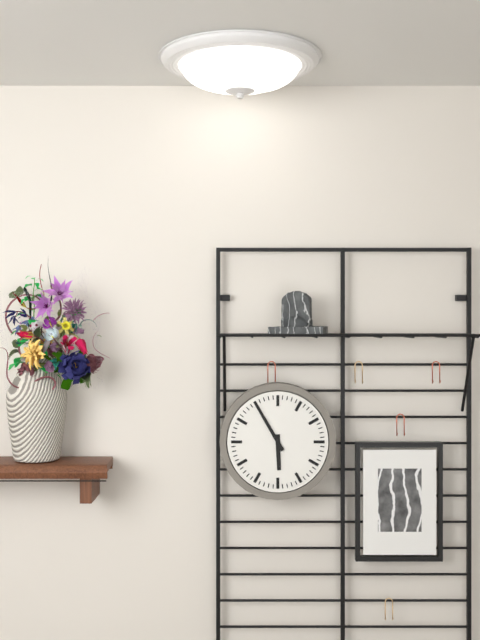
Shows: 5:55
